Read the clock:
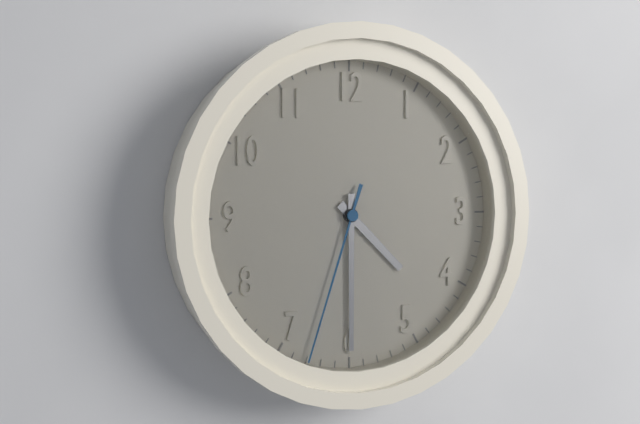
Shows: 4:30:33
